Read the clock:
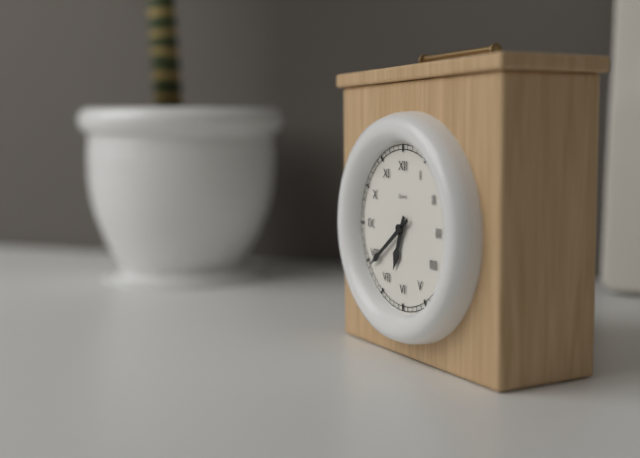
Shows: 6:39
